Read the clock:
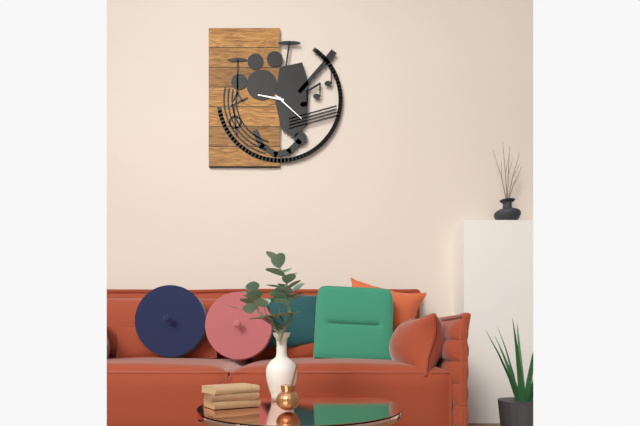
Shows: 9:22
